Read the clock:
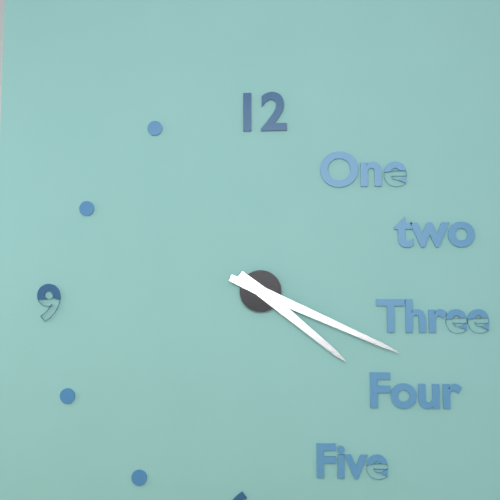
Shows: 4:19
